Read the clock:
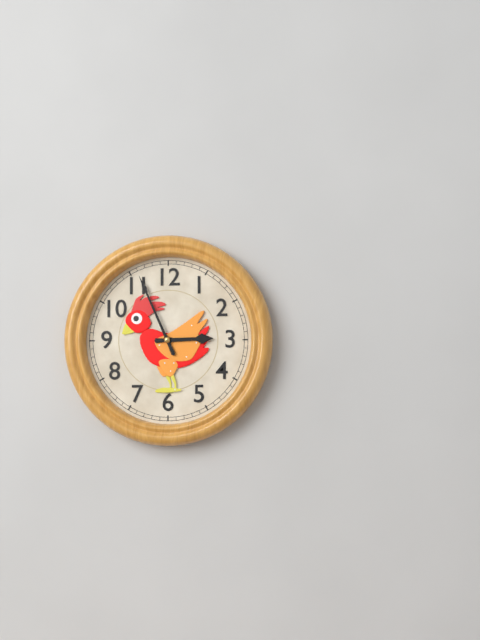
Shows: 2:56
